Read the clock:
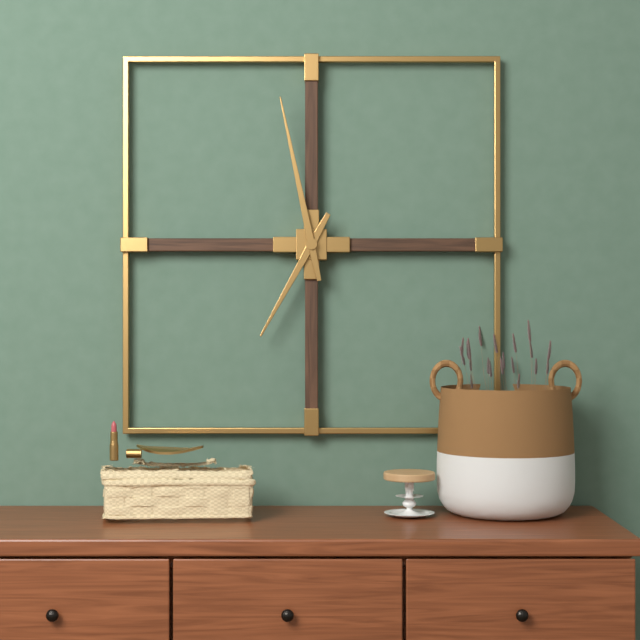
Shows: 6:58
